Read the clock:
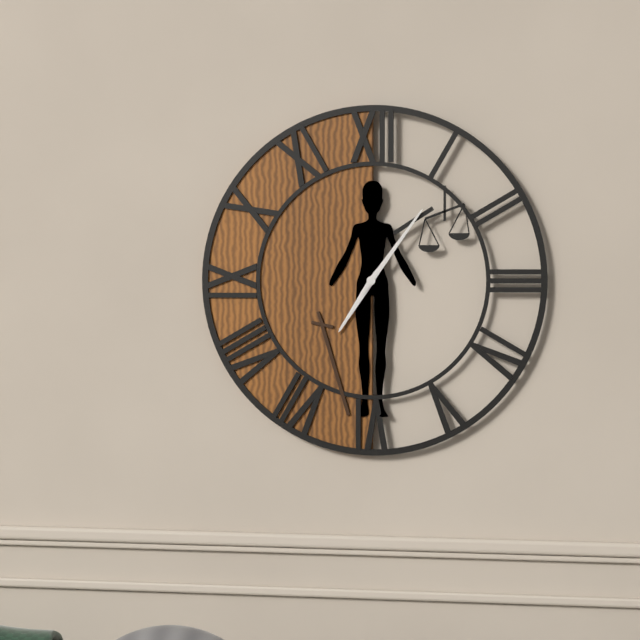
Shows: 7:06
